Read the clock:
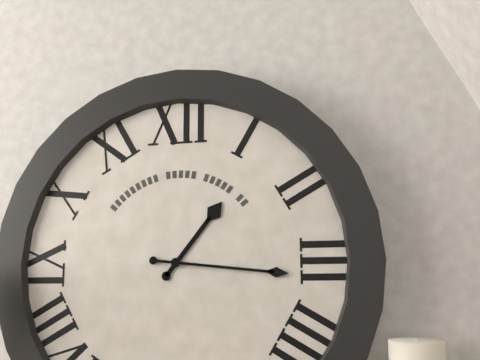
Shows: 1:16
